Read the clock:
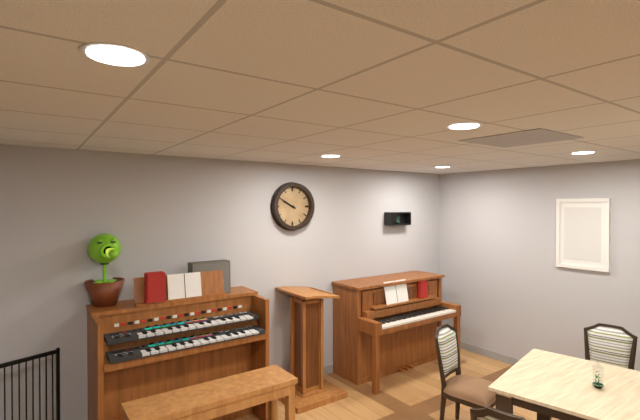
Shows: 9:50
